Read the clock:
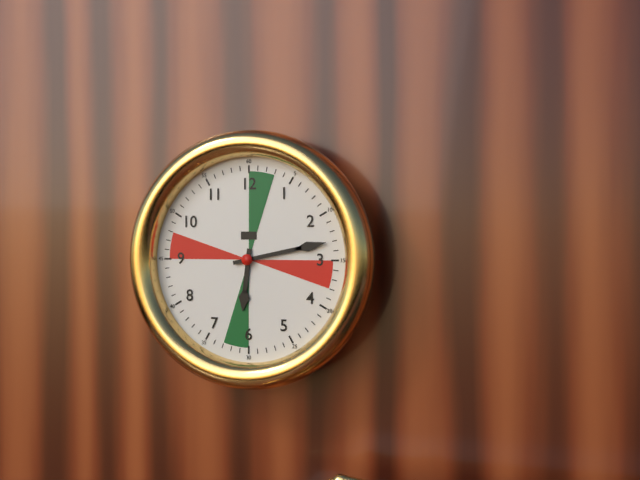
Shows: 6:13
